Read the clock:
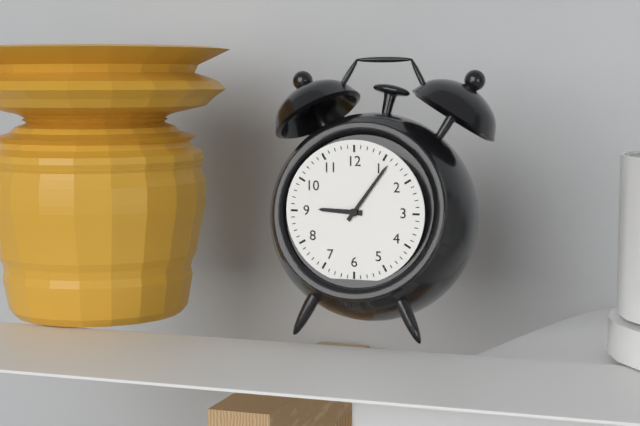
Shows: 9:06
